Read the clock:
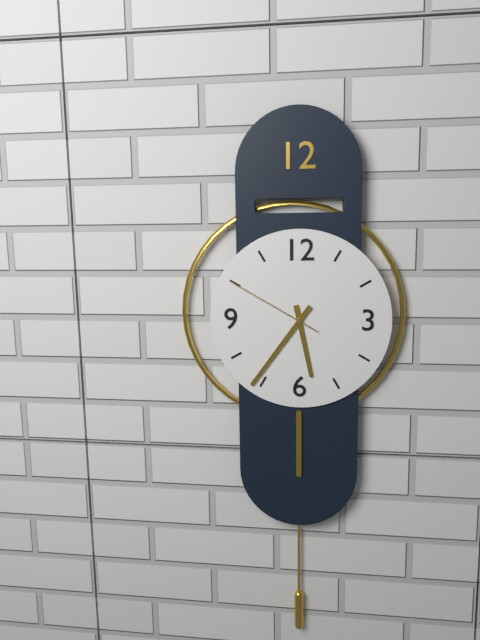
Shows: 5:36:50
